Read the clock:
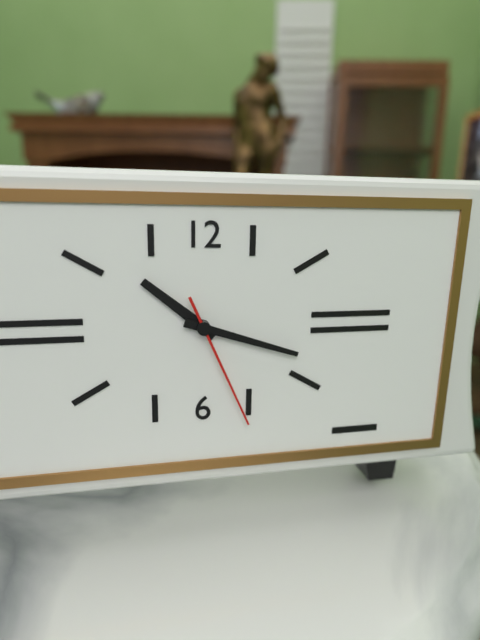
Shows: 10:18:26
